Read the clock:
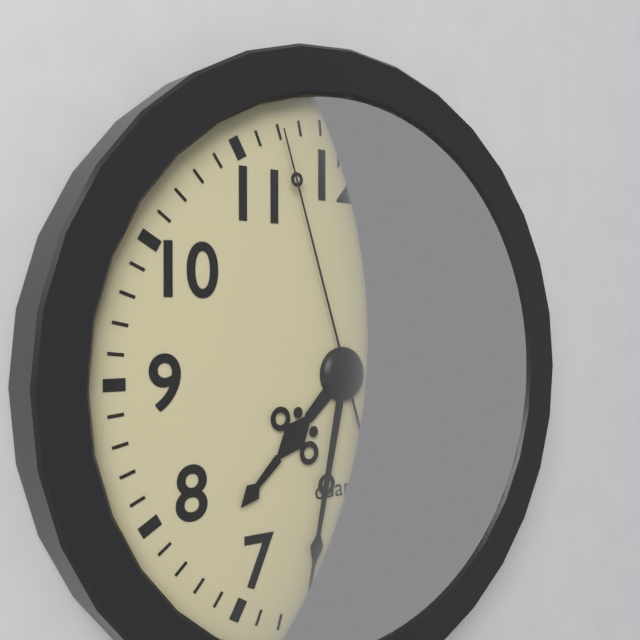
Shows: 7:32:57
